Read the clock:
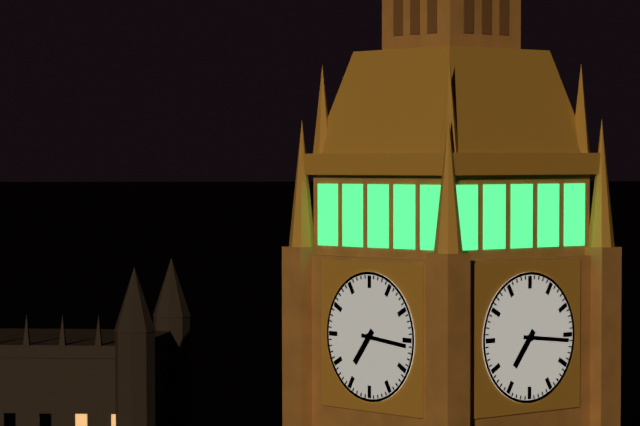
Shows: 7:16
